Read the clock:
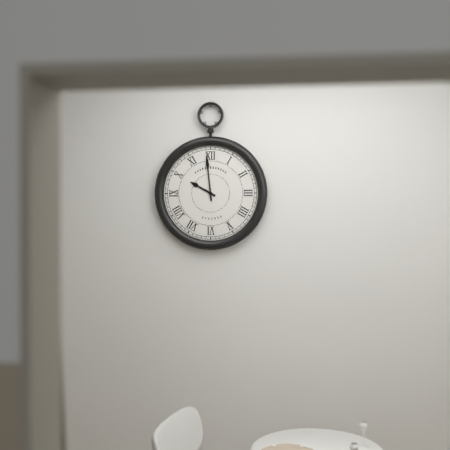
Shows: 9:59
